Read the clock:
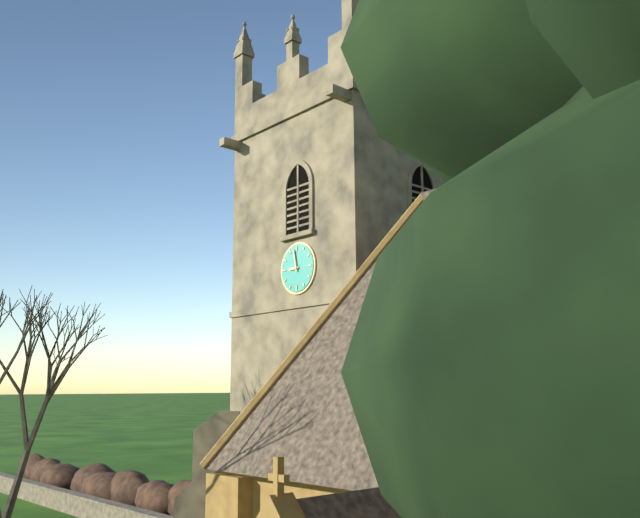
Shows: 8:58
